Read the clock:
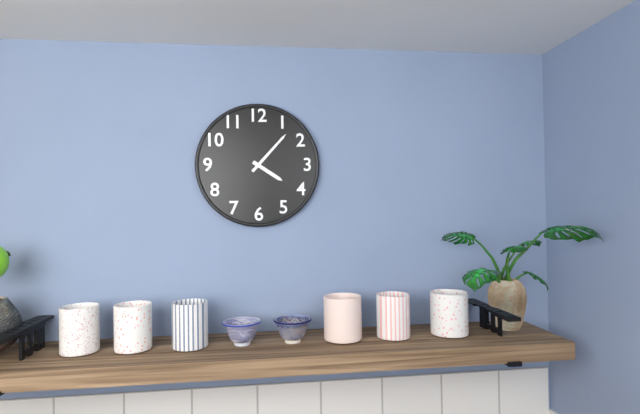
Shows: 4:07
